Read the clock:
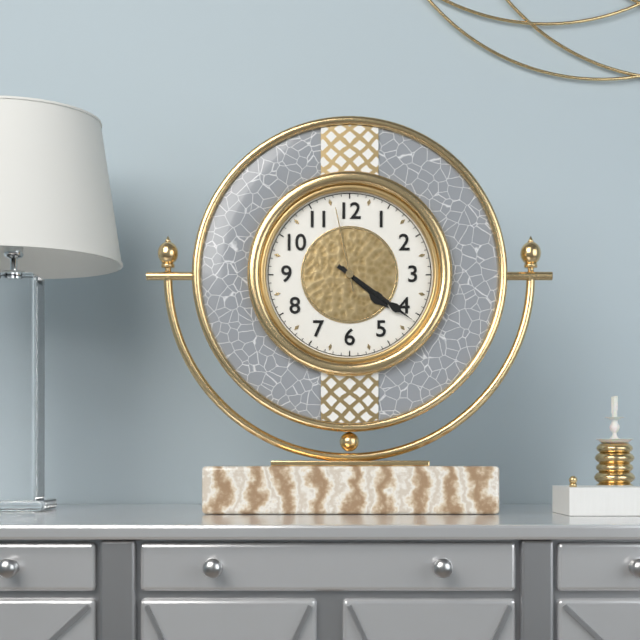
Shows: 4:21:58
